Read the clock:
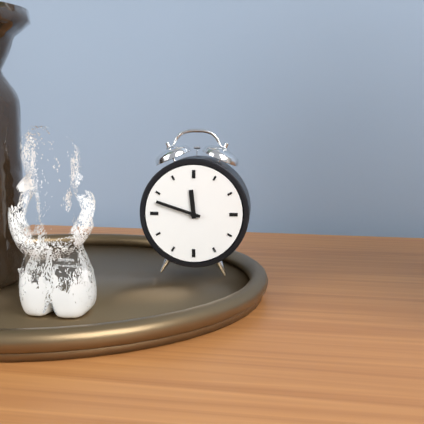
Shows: 11:48
